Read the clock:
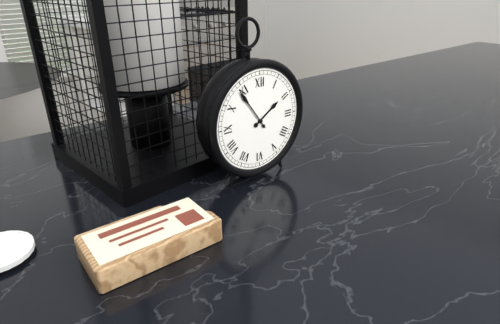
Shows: 1:54
